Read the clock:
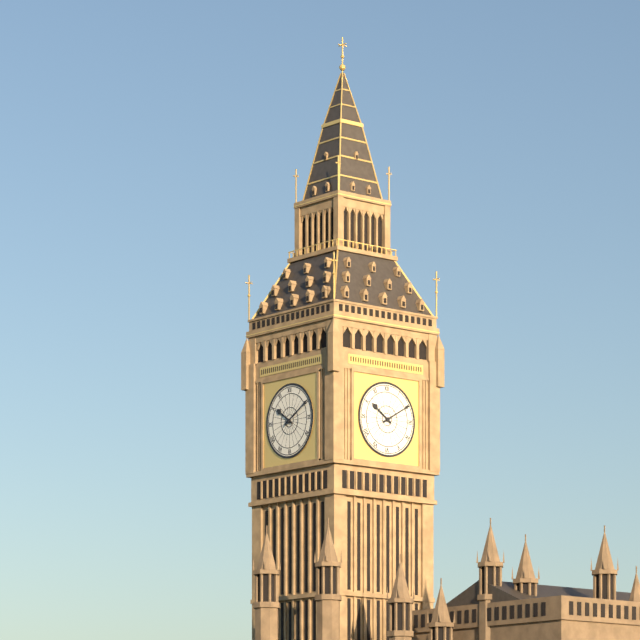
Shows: 10:10
